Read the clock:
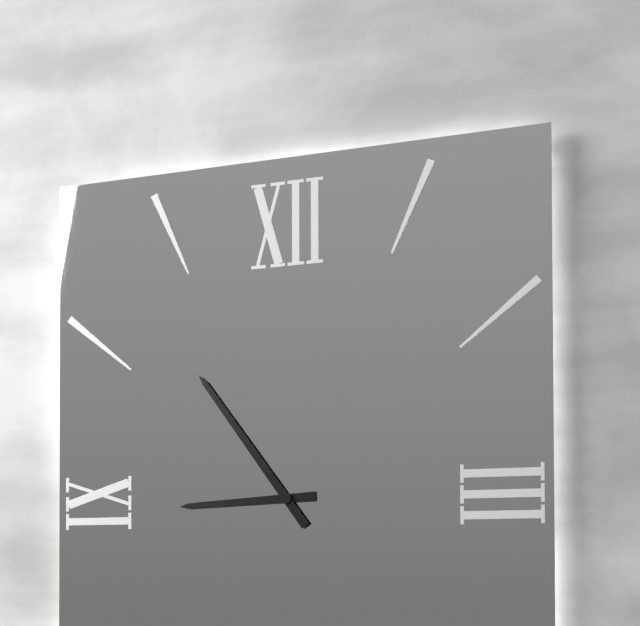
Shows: 8:54
